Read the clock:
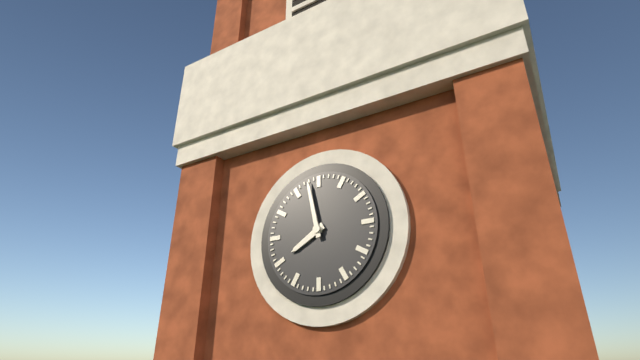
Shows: 7:58
